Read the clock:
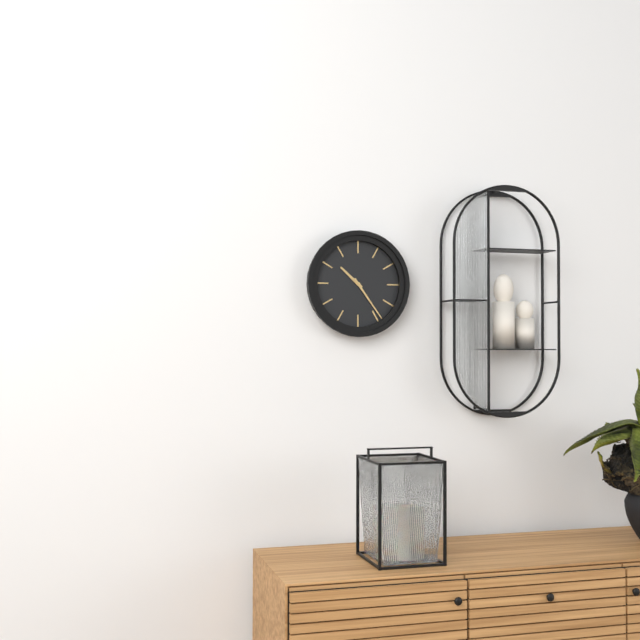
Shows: 10:24
